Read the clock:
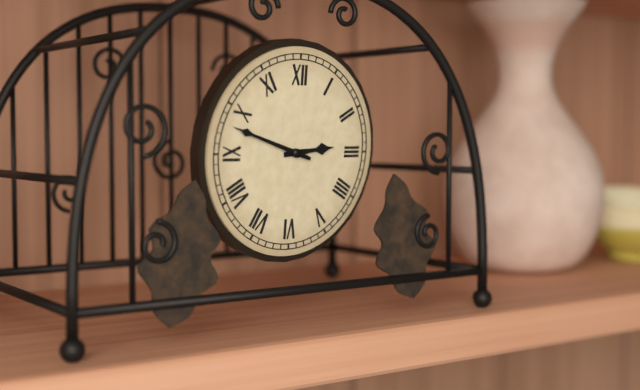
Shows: 2:48
